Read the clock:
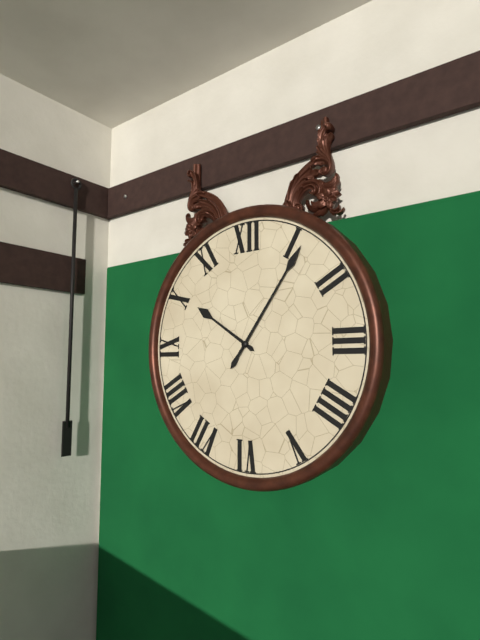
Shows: 10:06
